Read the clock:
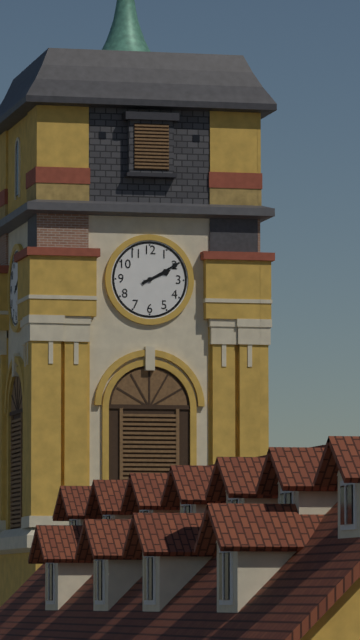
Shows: 2:10
